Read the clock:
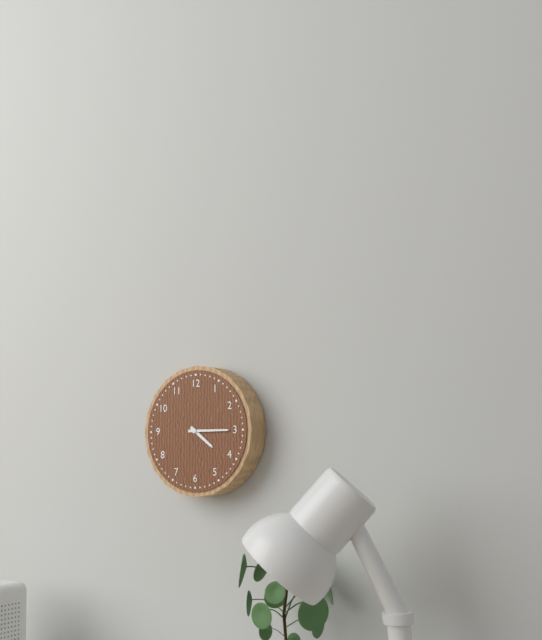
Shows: 4:15
